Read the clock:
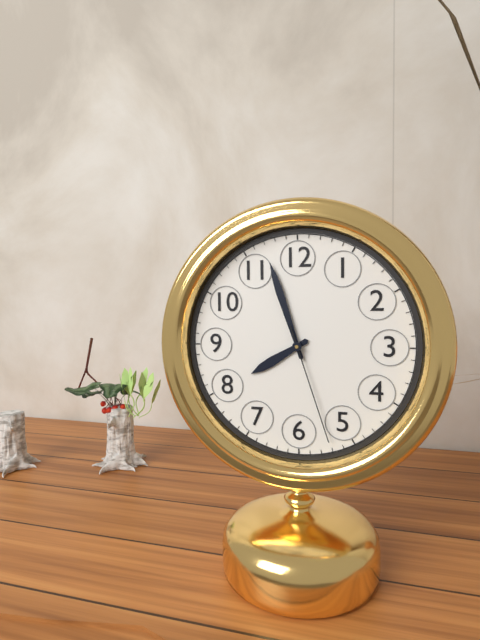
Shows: 7:57:27
